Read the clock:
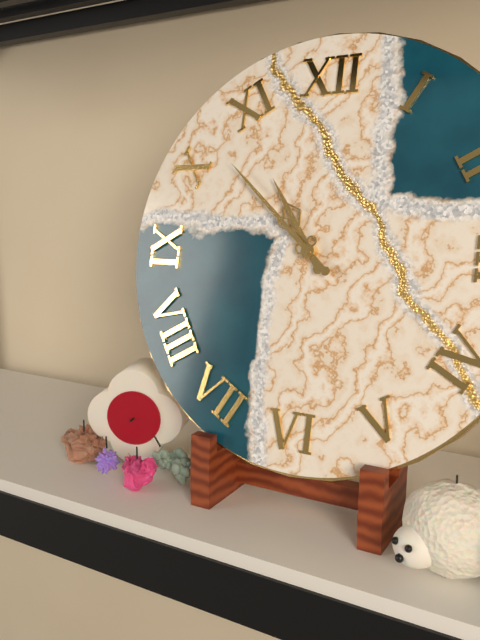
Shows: 10:52
